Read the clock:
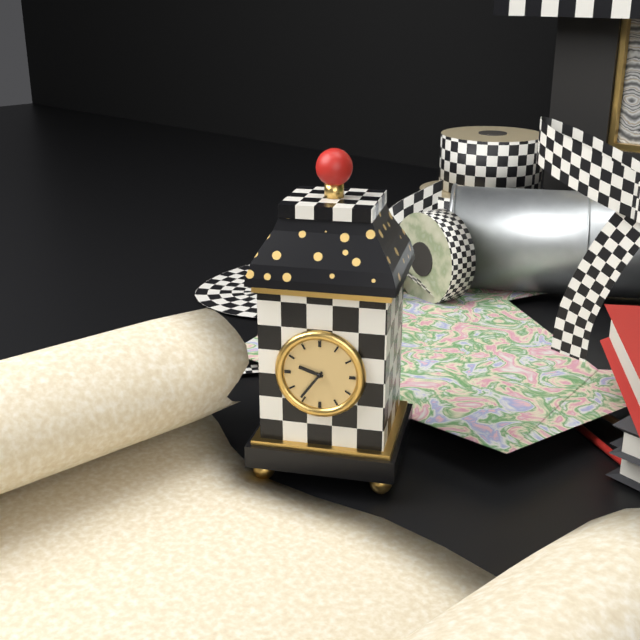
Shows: 9:36
